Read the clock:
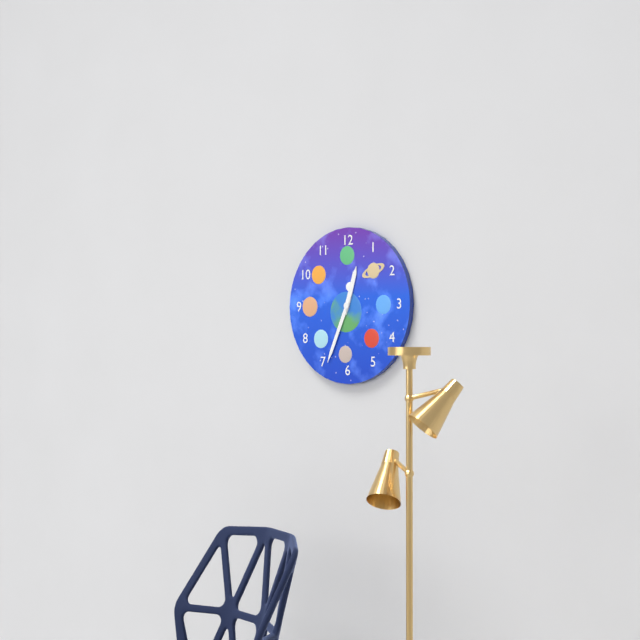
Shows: 12:34
